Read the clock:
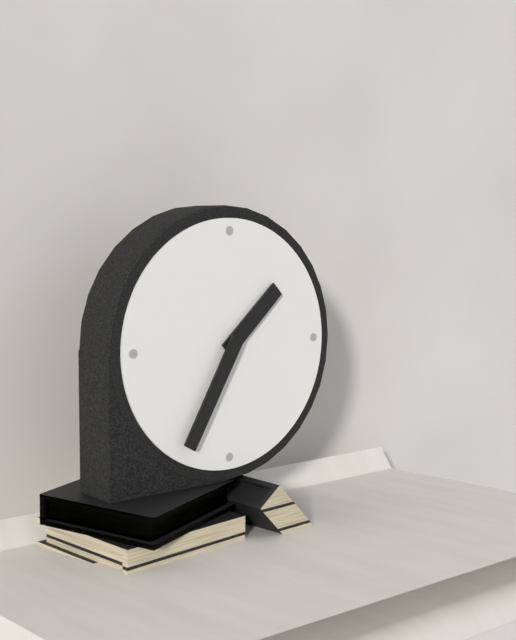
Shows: 1:35
